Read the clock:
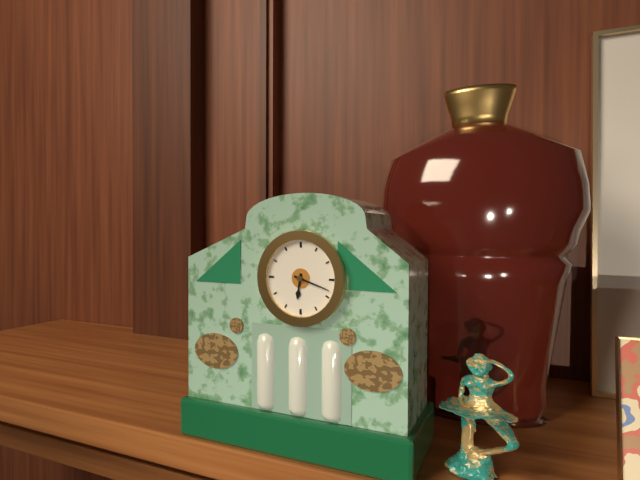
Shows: 6:18
